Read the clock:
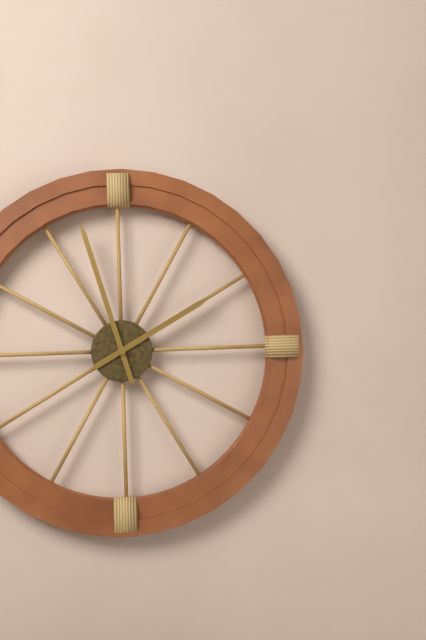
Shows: 1:57
